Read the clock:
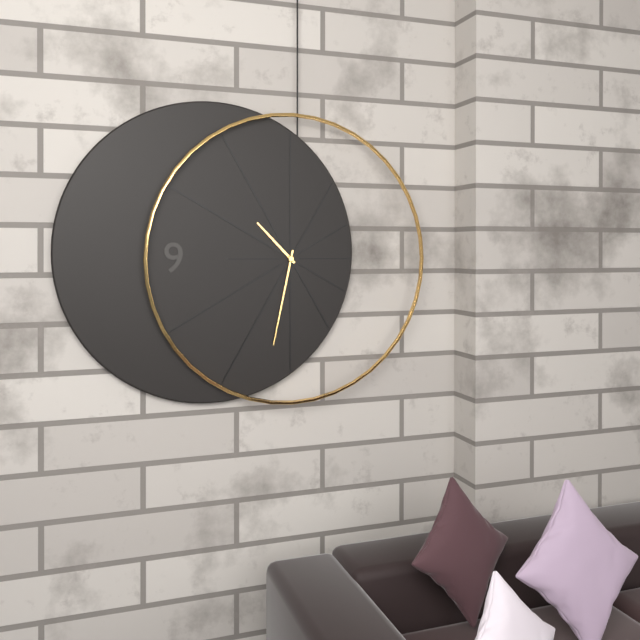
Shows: 10:32
